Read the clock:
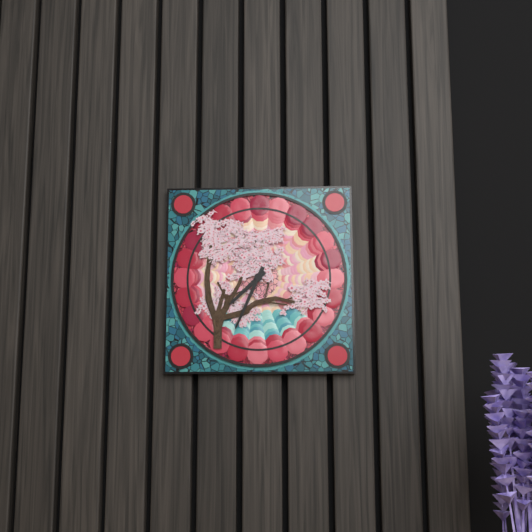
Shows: 7:34
